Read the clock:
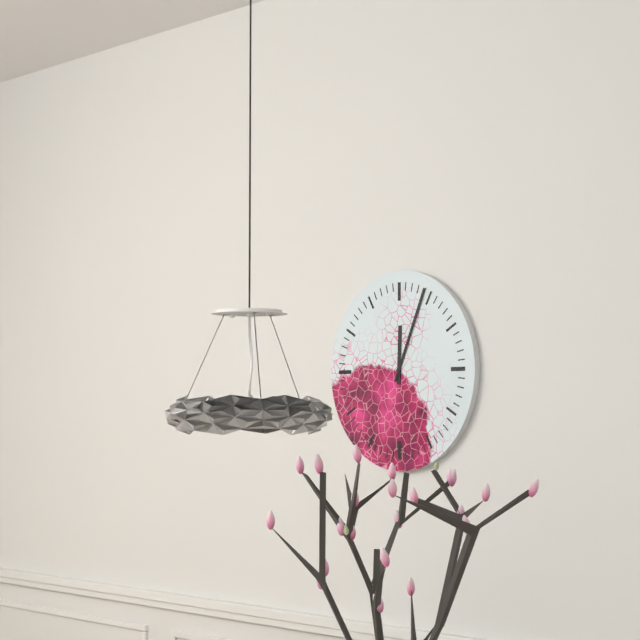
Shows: 12:04
